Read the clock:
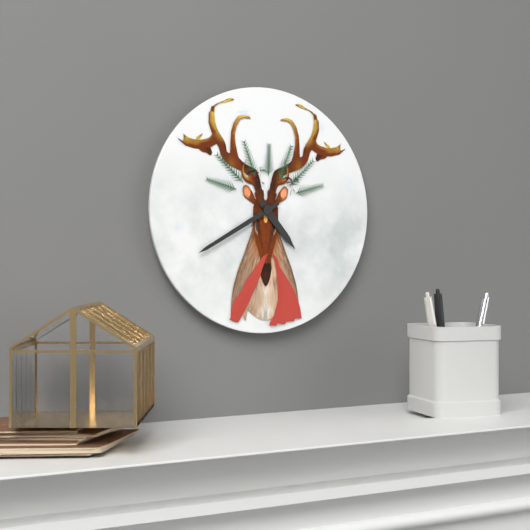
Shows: 4:40
